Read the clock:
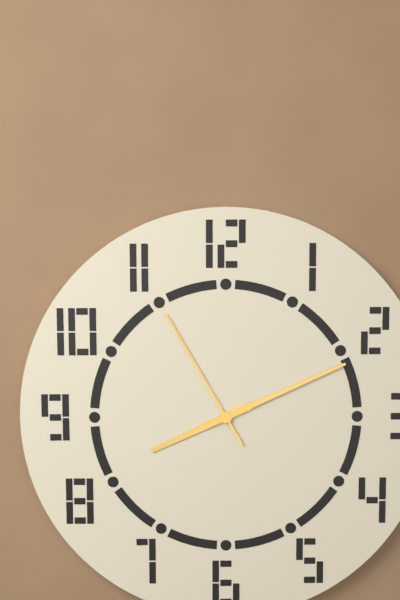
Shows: 8:11:55
